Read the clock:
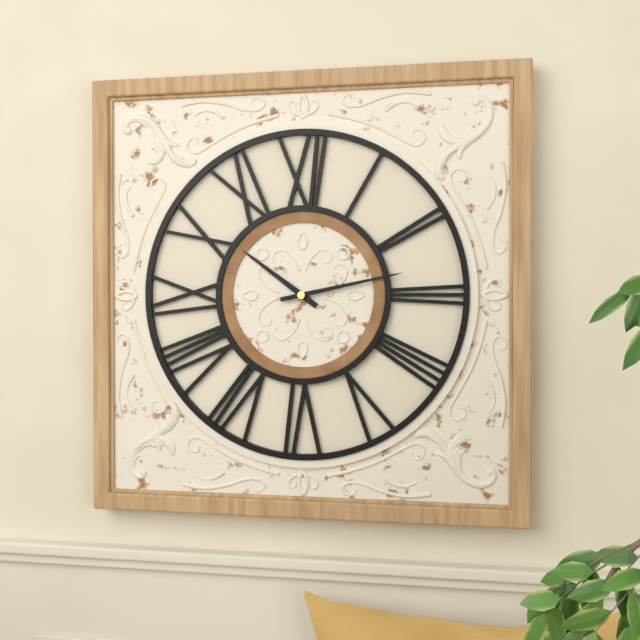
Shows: 10:13
